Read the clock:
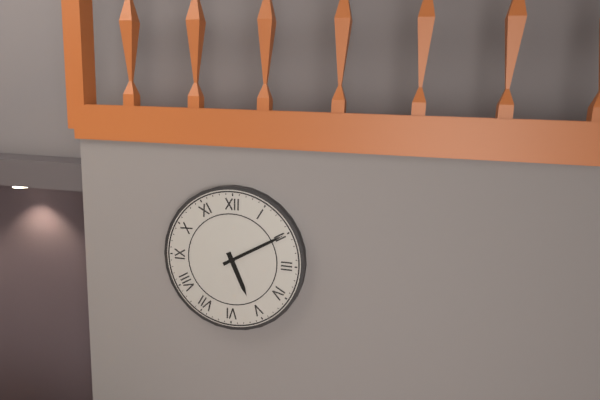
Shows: 5:10
